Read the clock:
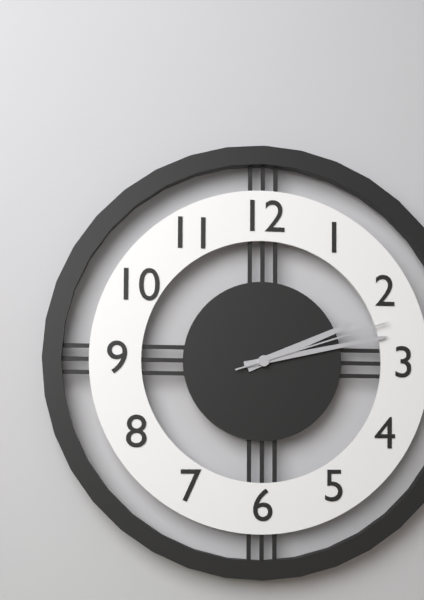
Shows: 2:13:12
